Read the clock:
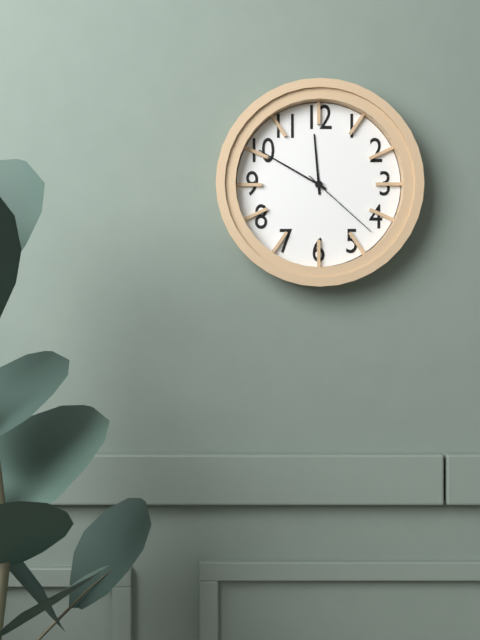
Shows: 11:50:22
